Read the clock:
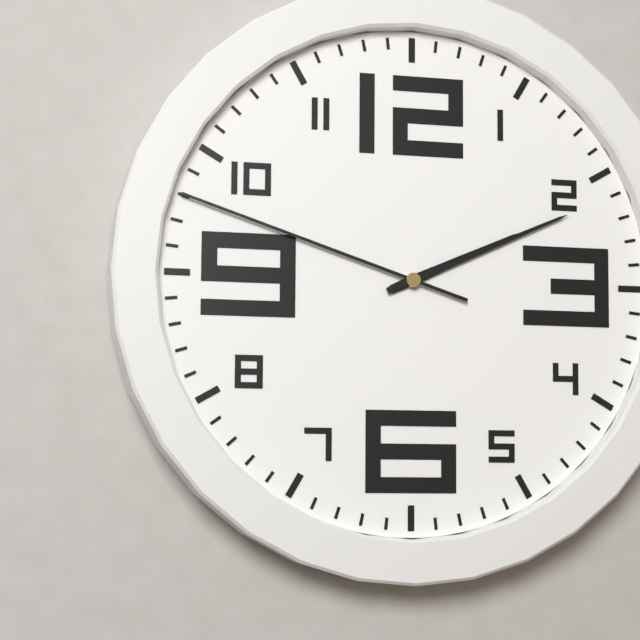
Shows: 2:11:48
